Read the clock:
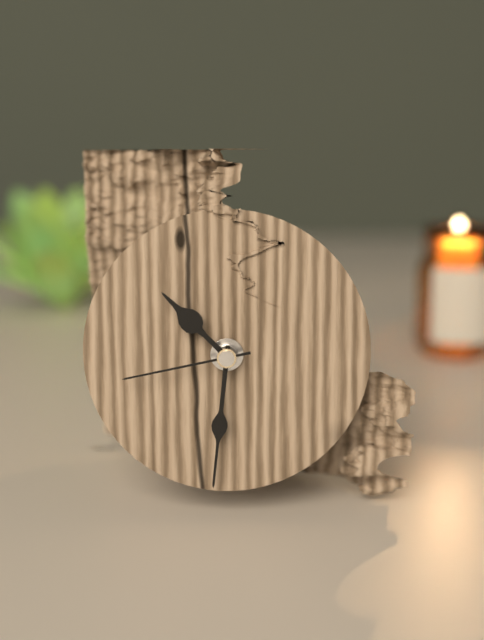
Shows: 10:31:43
